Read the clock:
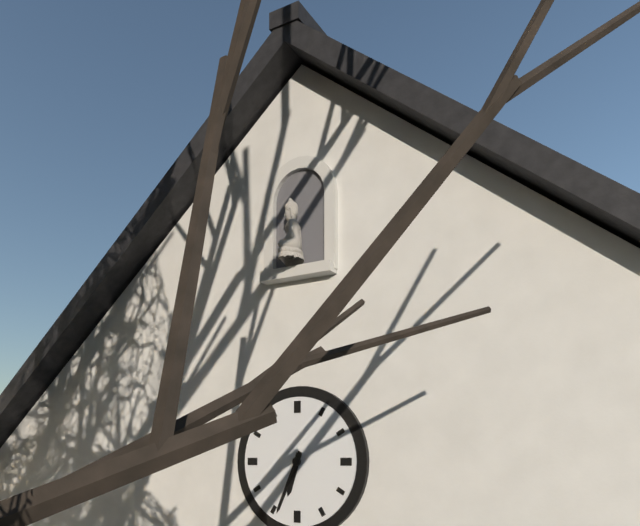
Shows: 6:34
